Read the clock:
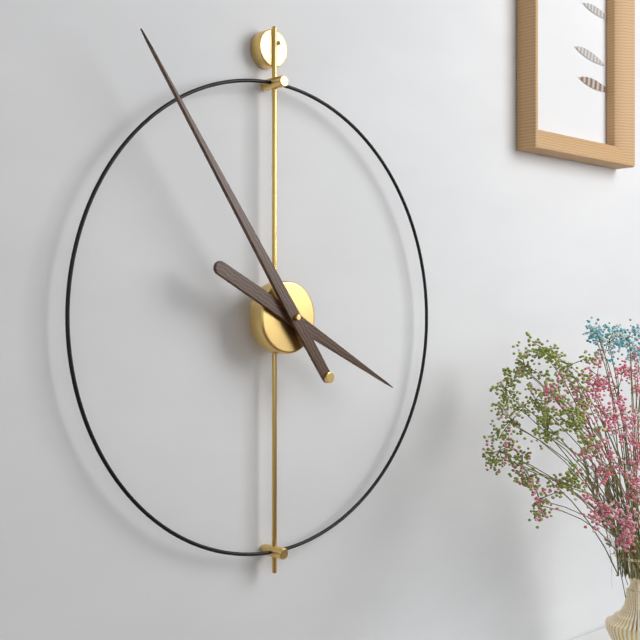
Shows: 3:54
